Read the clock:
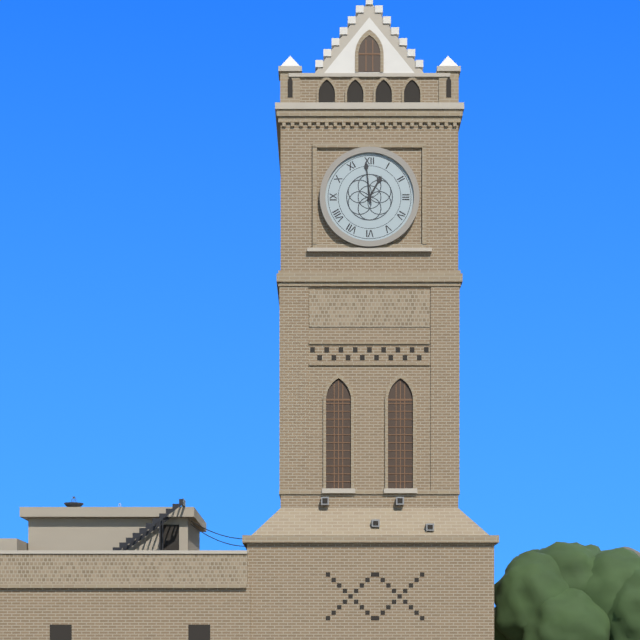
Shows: 12:59
